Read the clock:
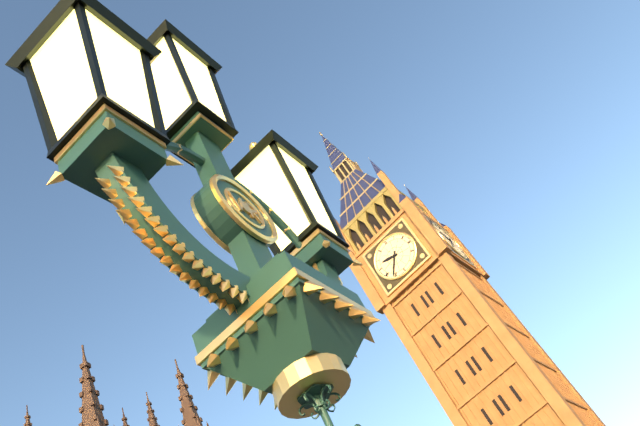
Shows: 9:36
